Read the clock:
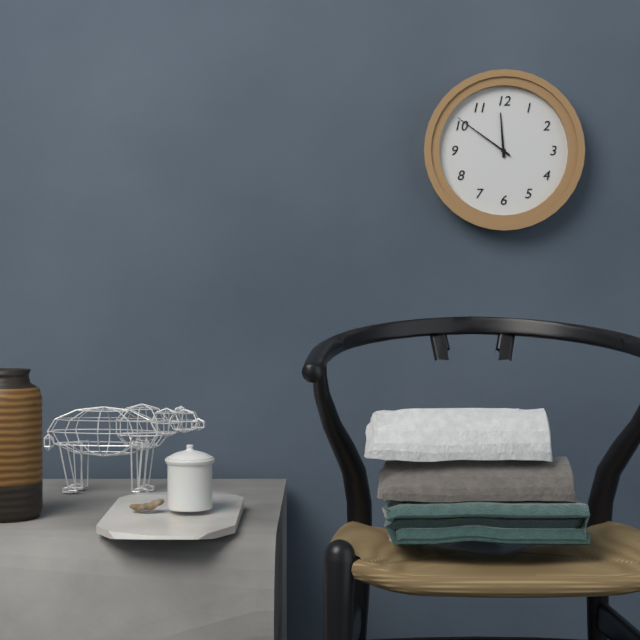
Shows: 11:51
